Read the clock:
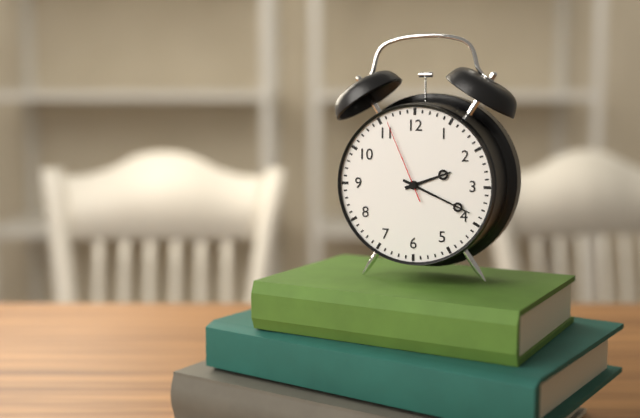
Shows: 2:19:56
